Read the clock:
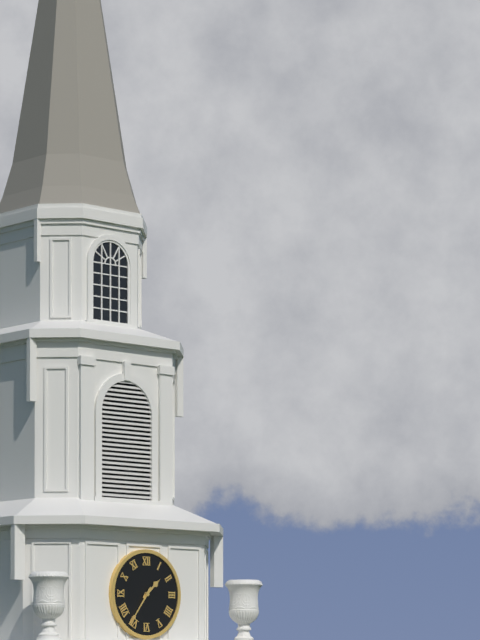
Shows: 1:36
